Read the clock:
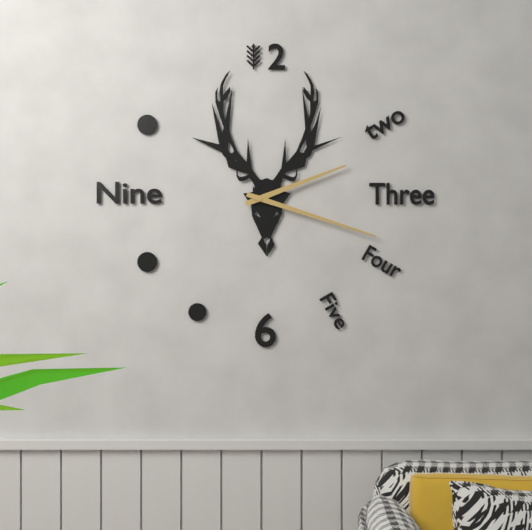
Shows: 2:18
